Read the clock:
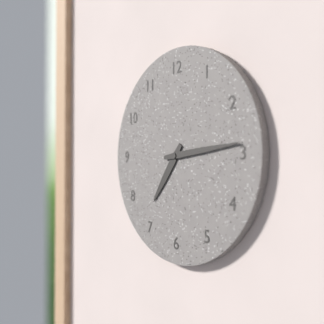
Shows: 7:14
